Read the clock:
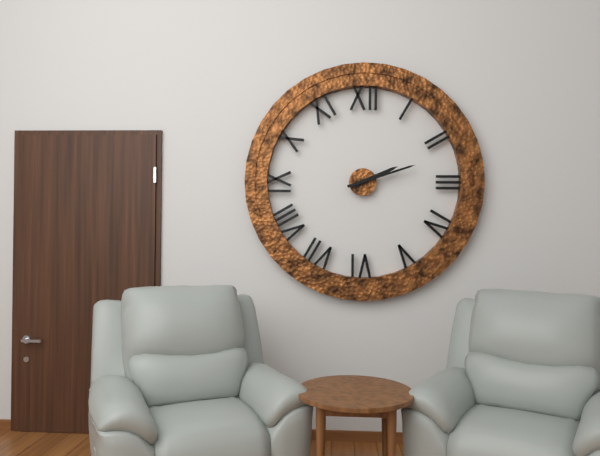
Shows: 2:12
